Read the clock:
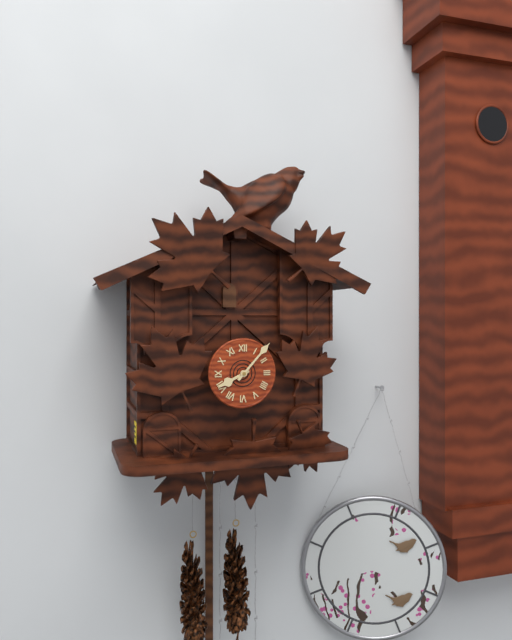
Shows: 8:07
